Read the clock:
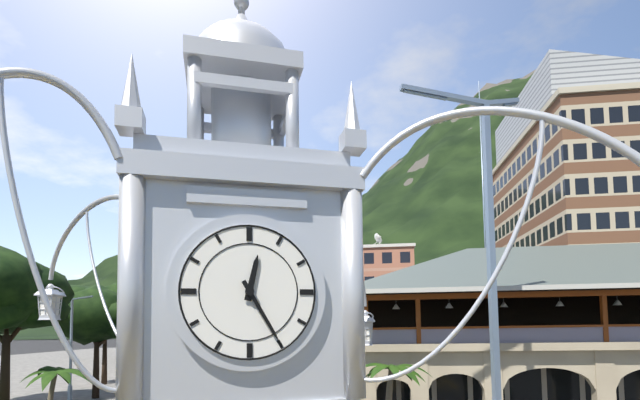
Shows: 12:25
